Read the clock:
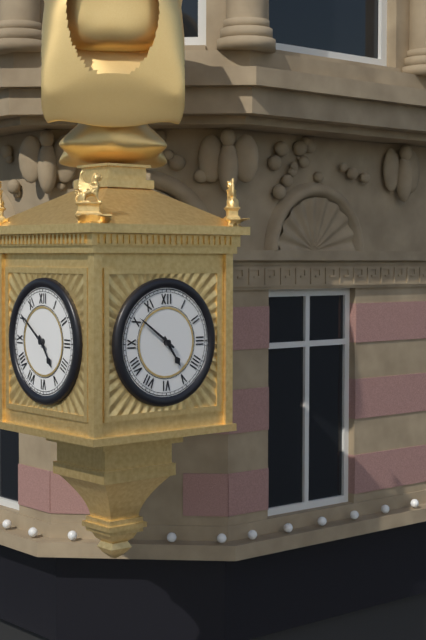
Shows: 4:51
